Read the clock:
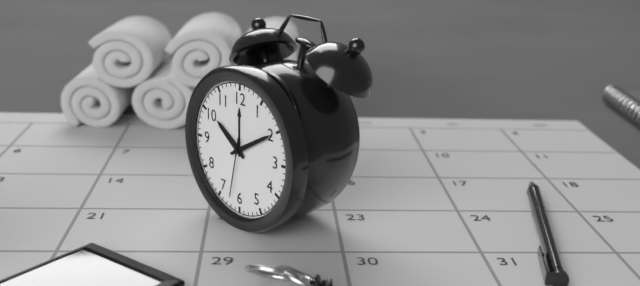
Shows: 10:10:32
